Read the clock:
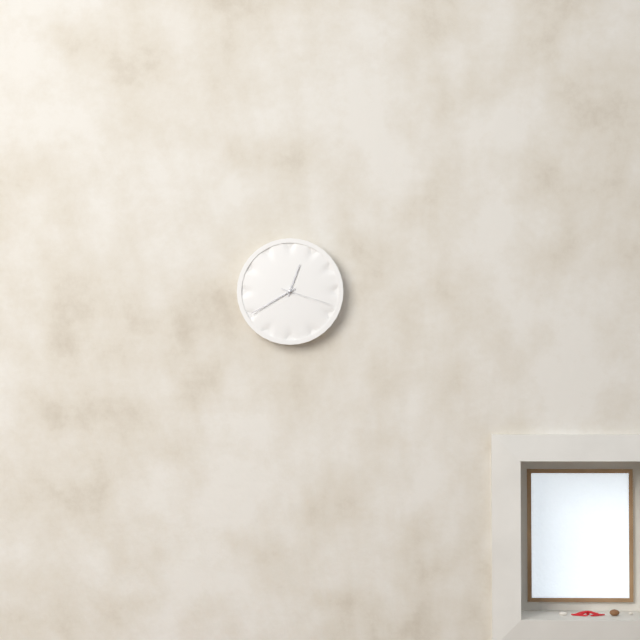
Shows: 12:40:18
